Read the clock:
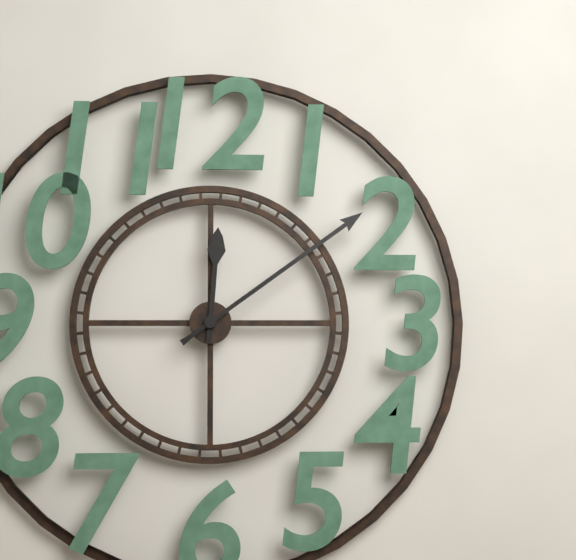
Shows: 12:09
